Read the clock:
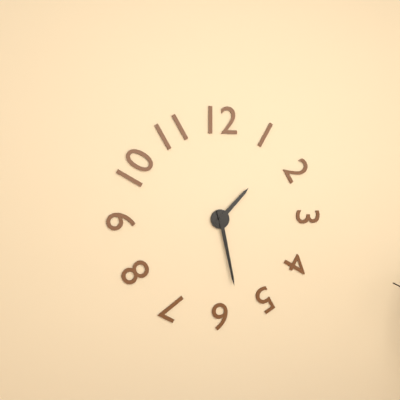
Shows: 1:28
